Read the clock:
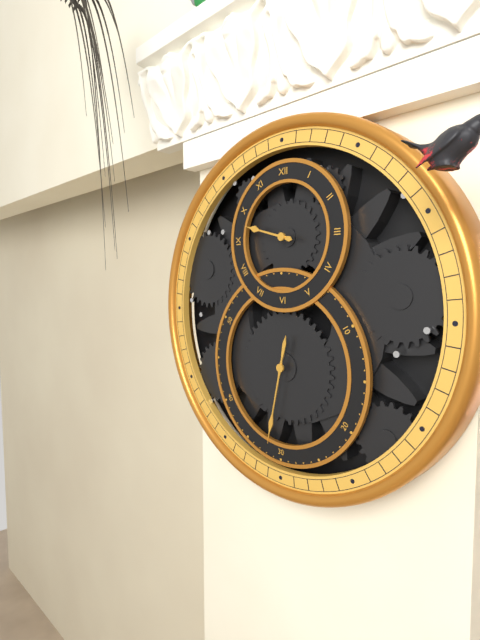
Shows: 9:32
